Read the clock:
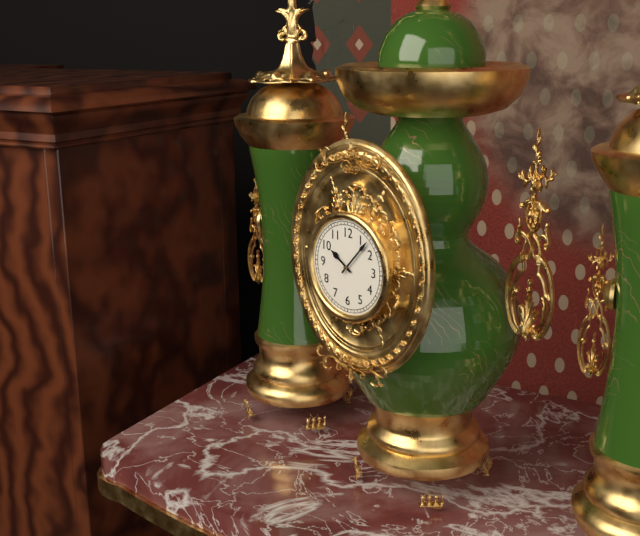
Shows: 10:07
